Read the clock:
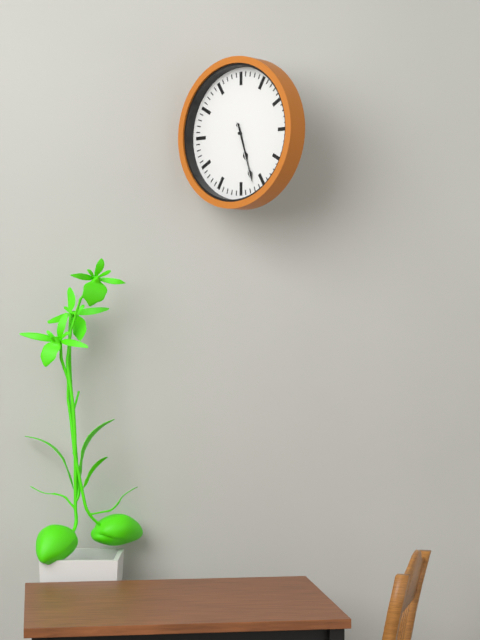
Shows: 5:27:27
